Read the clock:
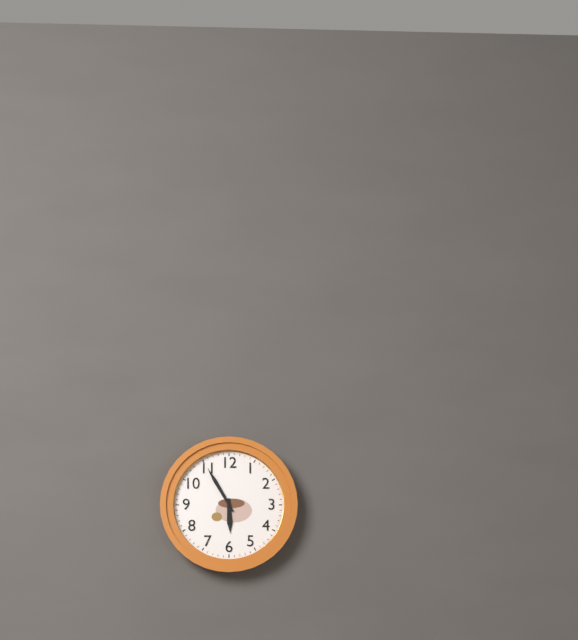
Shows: 5:55
